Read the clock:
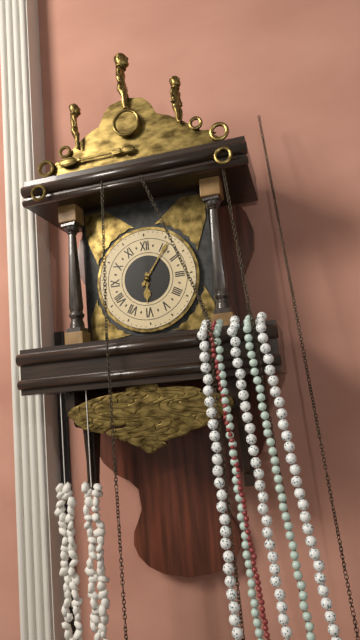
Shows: 6:06
